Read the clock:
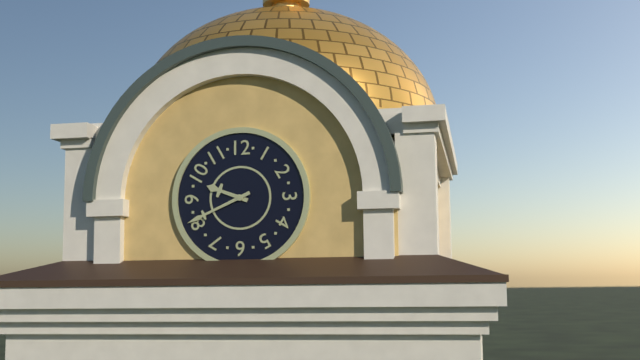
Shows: 9:41
